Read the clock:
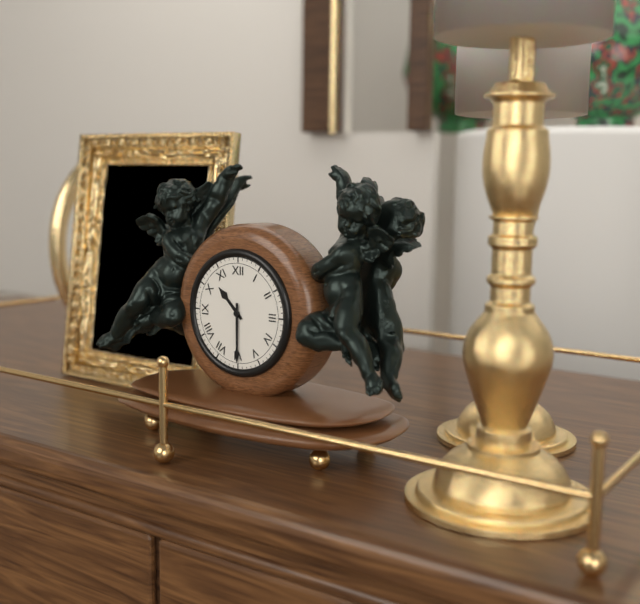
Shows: 10:30
